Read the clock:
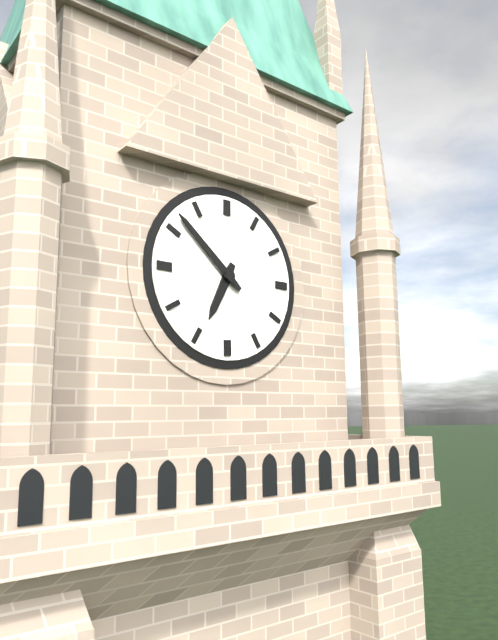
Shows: 6:52
